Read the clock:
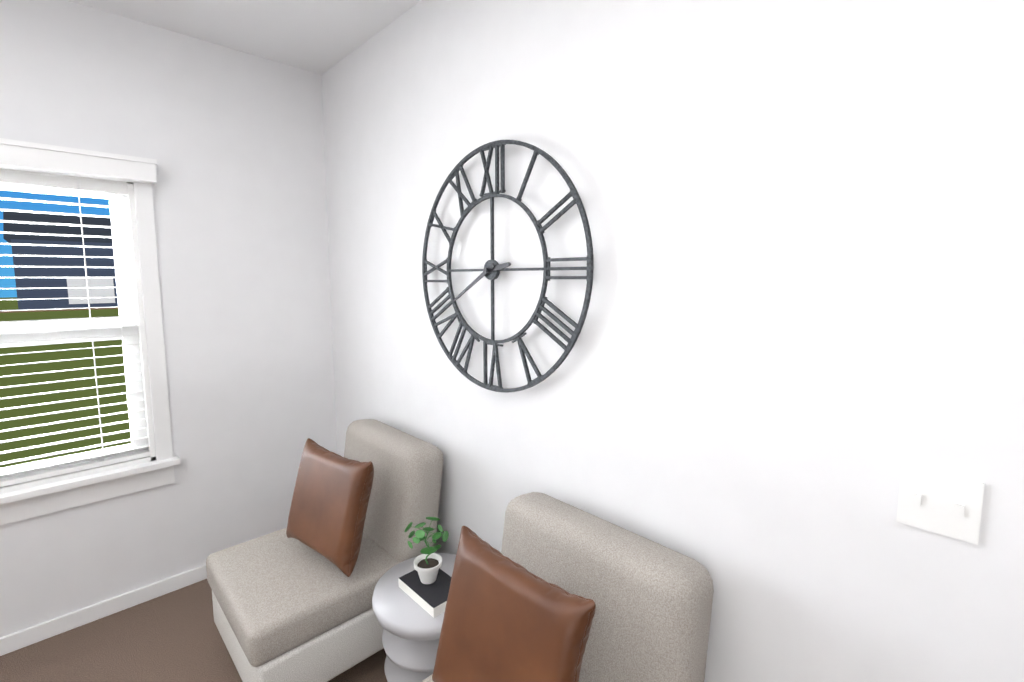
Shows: 2:40
